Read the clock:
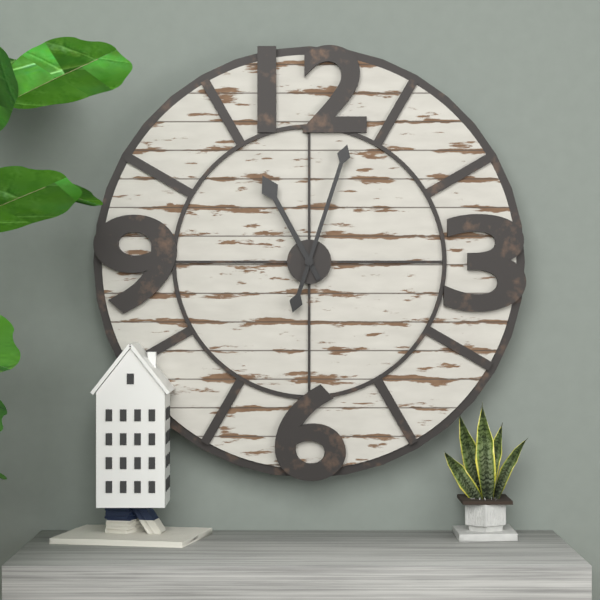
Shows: 11:03
